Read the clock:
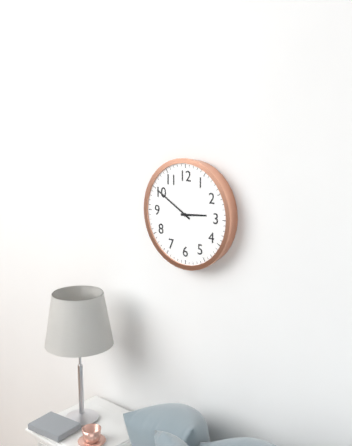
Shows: 2:50
